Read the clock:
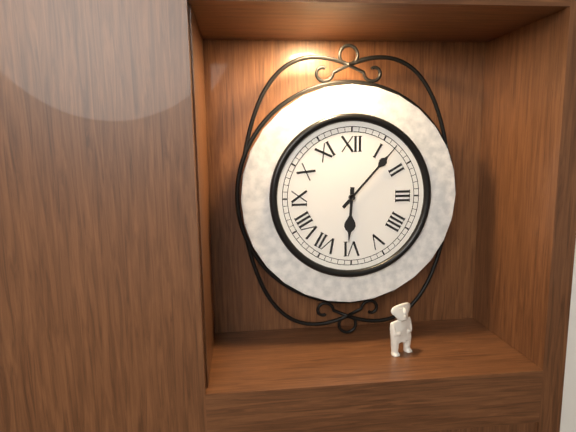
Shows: 6:07
